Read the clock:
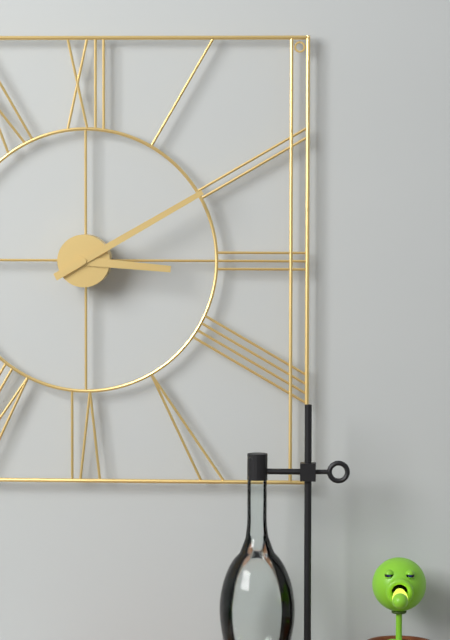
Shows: 3:10
